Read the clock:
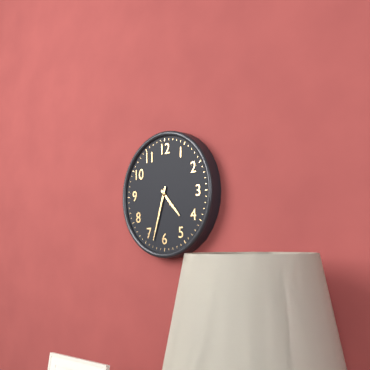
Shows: 4:33
